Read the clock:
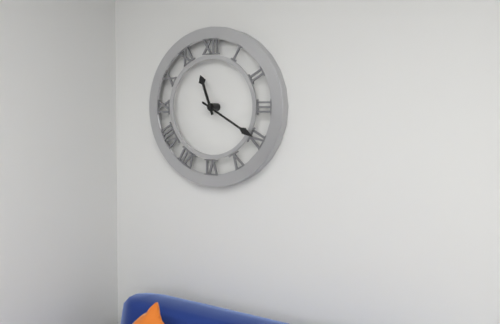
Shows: 11:20
